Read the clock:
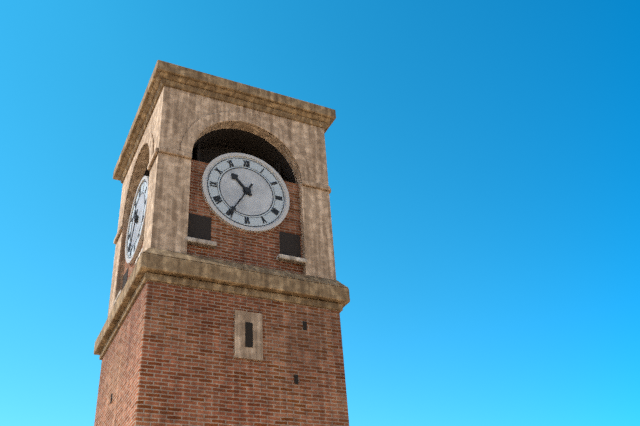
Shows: 10:35
